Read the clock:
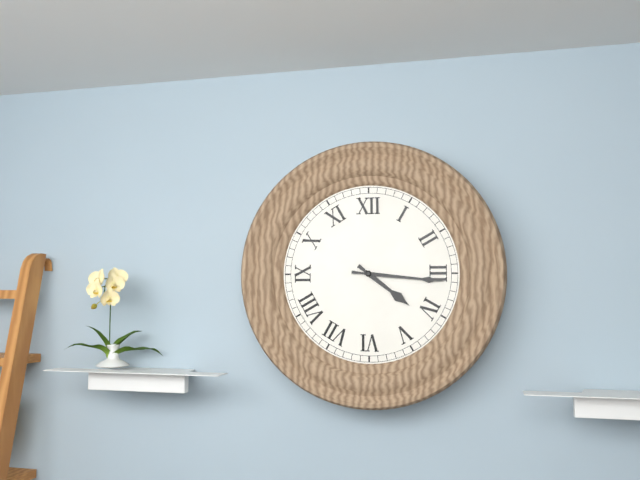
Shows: 4:16
